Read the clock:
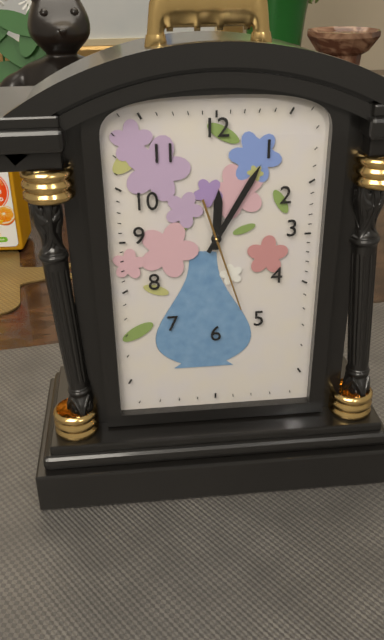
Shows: 12:05:27
